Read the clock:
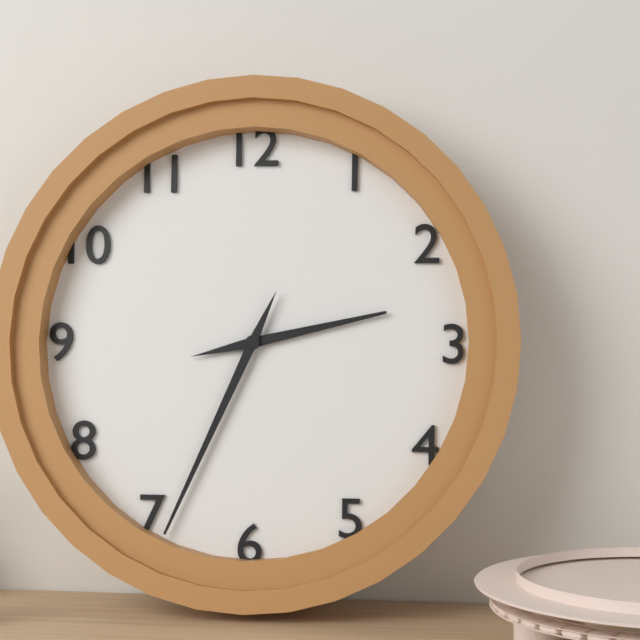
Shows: 2:34
